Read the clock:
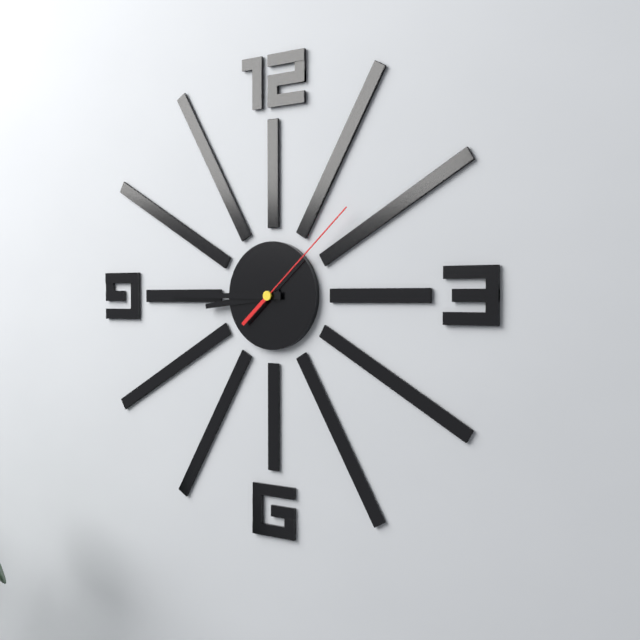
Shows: 8:45:08
